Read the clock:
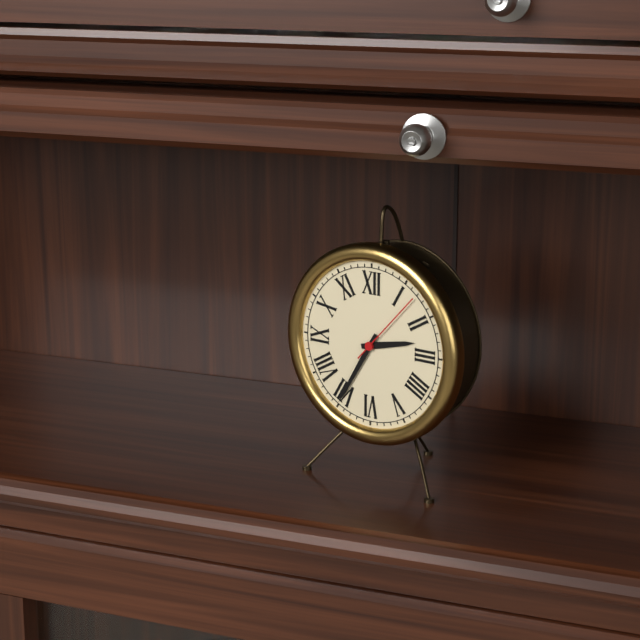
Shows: 2:35:07
